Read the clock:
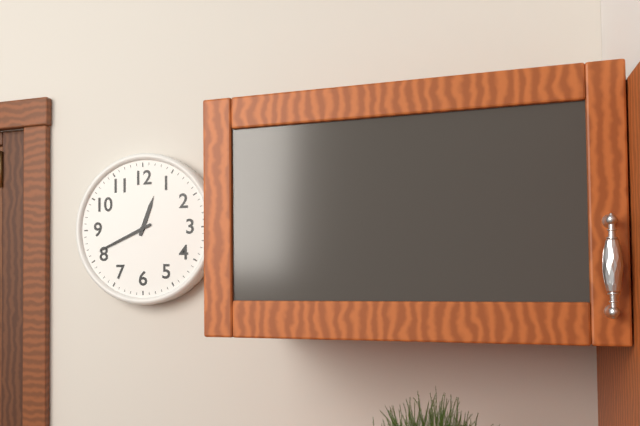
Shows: 12:41
